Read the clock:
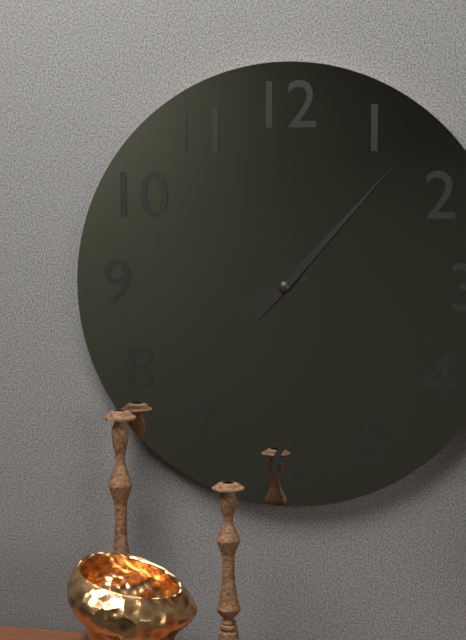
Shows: 8:07
